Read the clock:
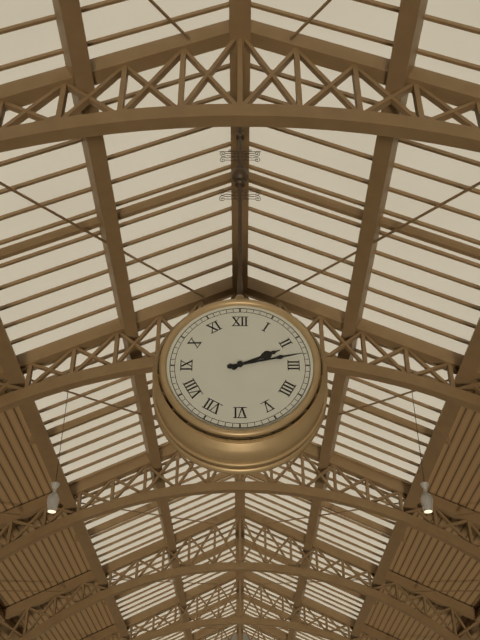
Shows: 2:13
